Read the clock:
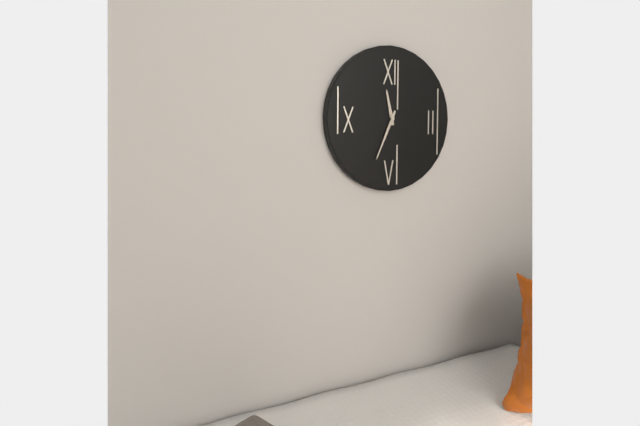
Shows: 11:34
